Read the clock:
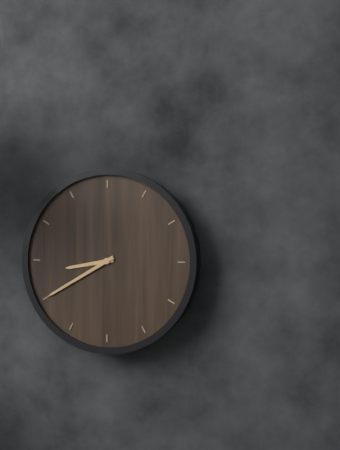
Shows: 8:40
